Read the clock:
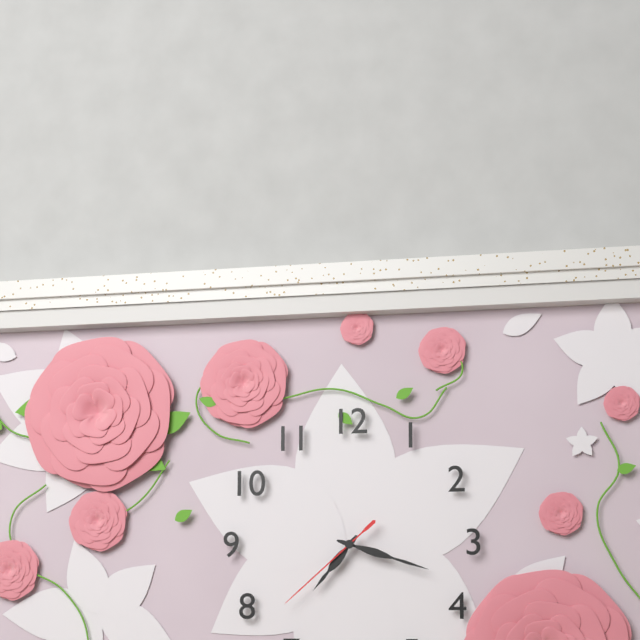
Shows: 7:18:38
